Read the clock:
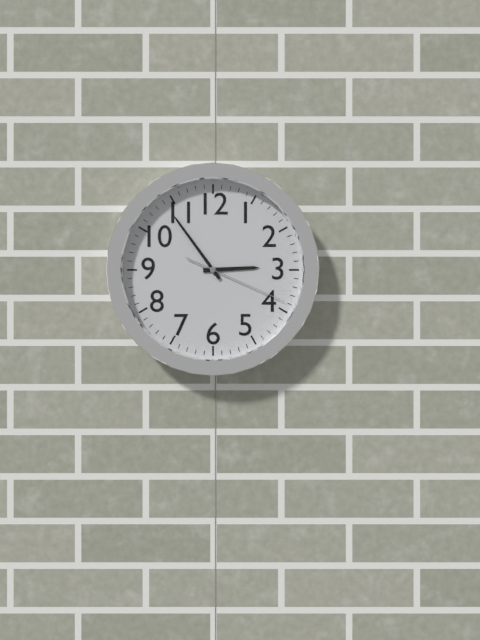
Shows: 2:54:19
